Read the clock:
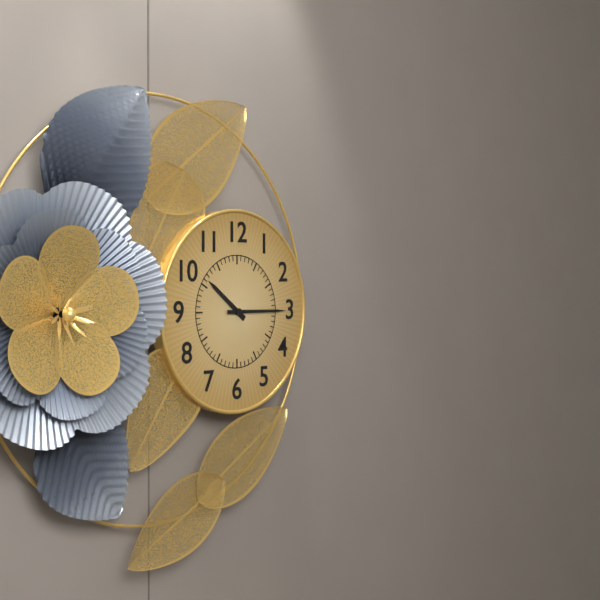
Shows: 10:15
